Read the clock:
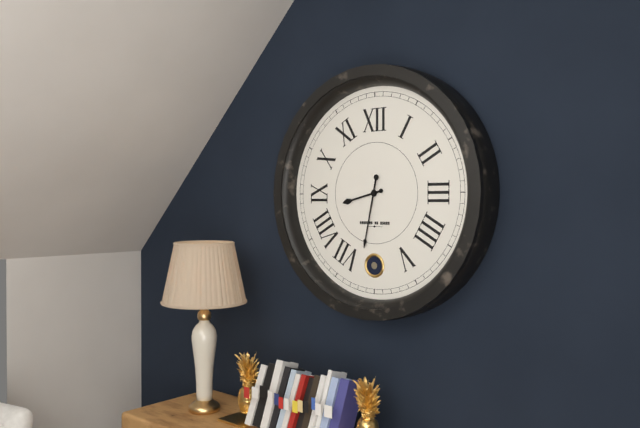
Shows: 8:32
